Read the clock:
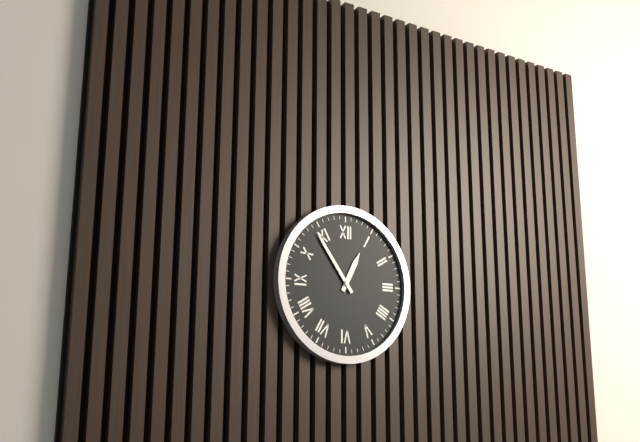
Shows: 12:54
